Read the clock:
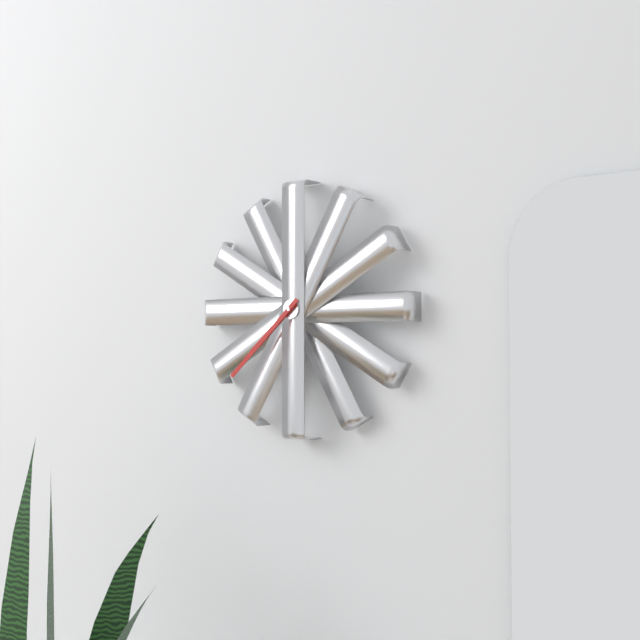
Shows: 7:38
